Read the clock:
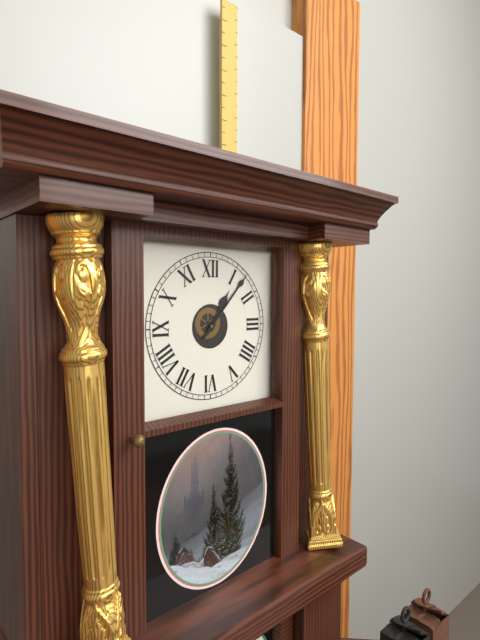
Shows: 1:07
